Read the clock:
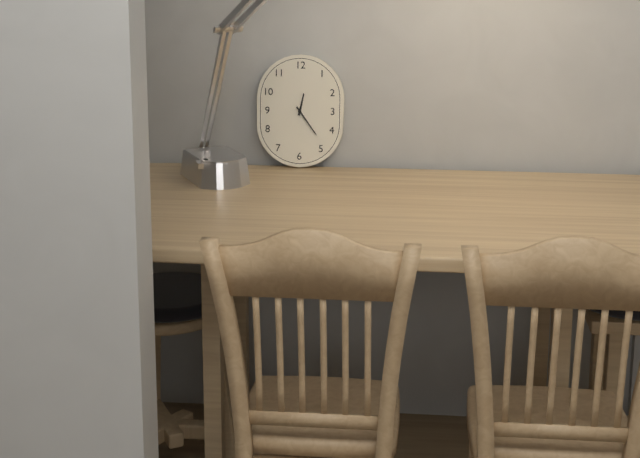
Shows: 12:24
